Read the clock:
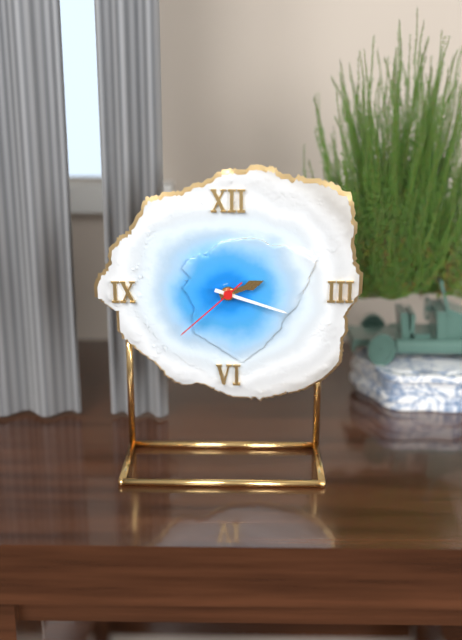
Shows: 2:18:38
